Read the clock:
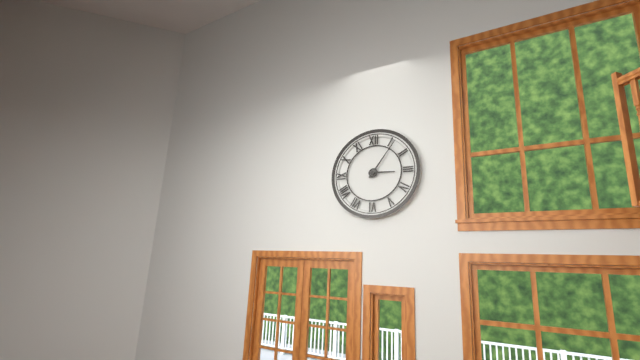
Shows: 3:06
